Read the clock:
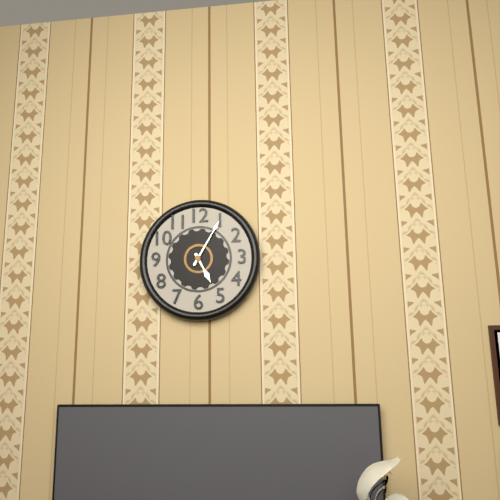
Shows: 5:05
